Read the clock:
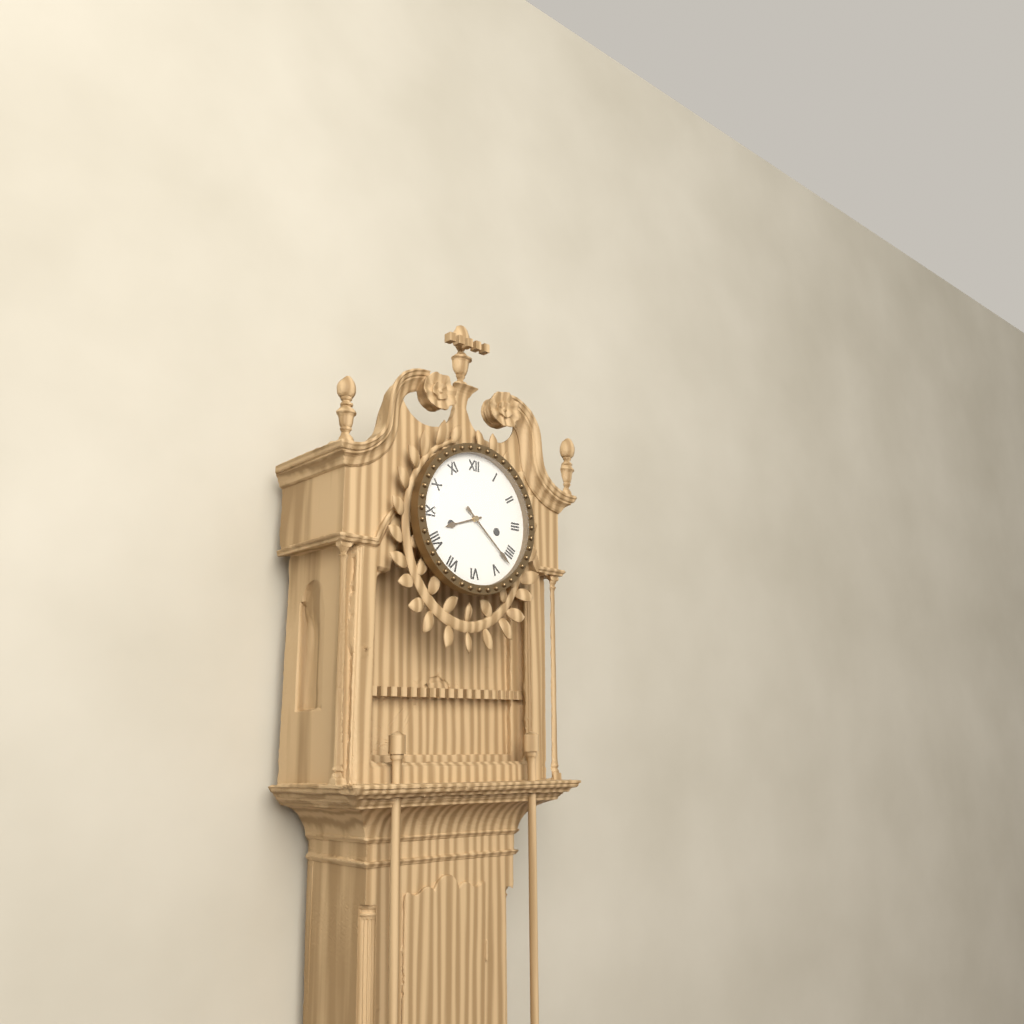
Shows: 8:22
